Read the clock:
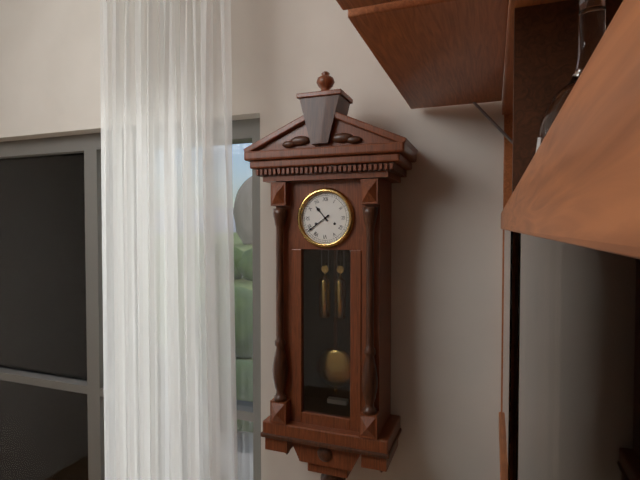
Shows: 10:39
